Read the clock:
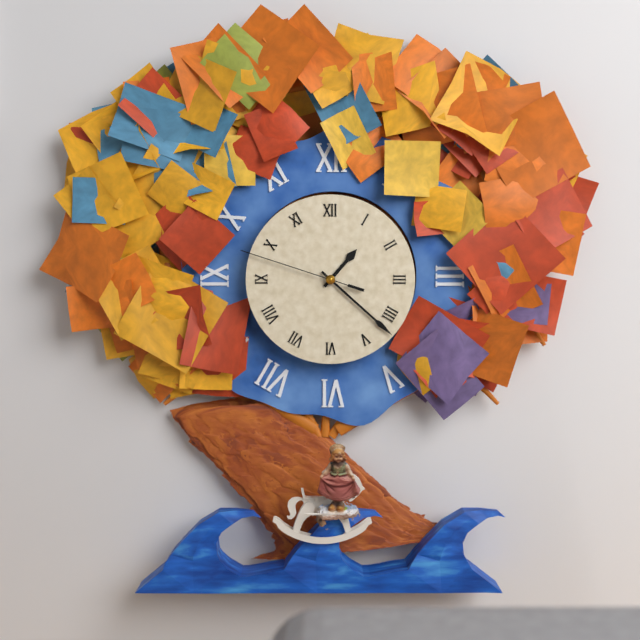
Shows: 1:22:48
